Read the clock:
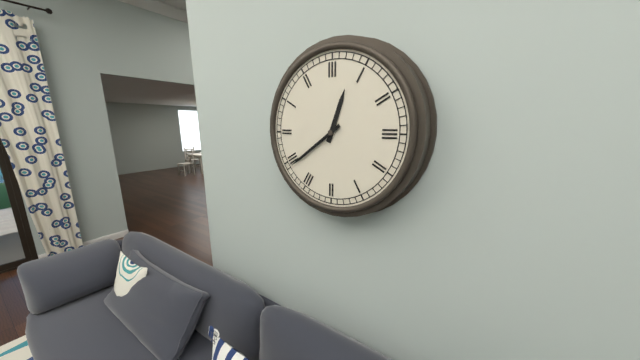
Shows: 12:39
